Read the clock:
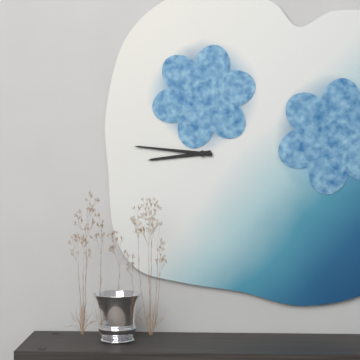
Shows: 8:46
